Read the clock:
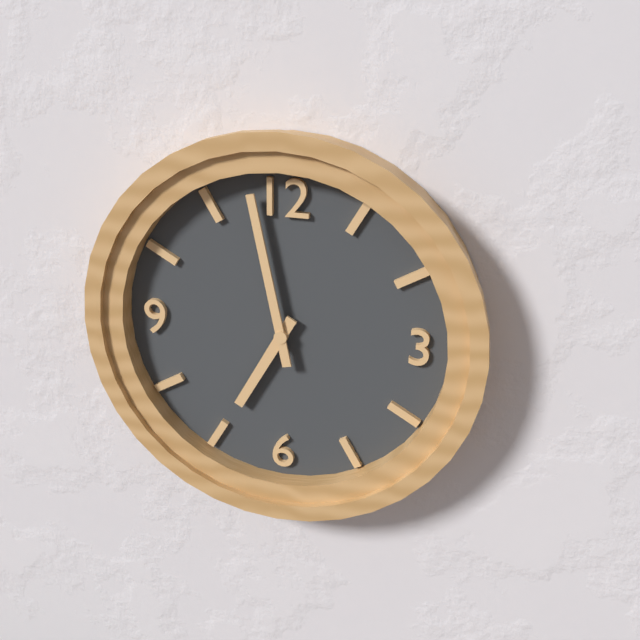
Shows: 6:58
